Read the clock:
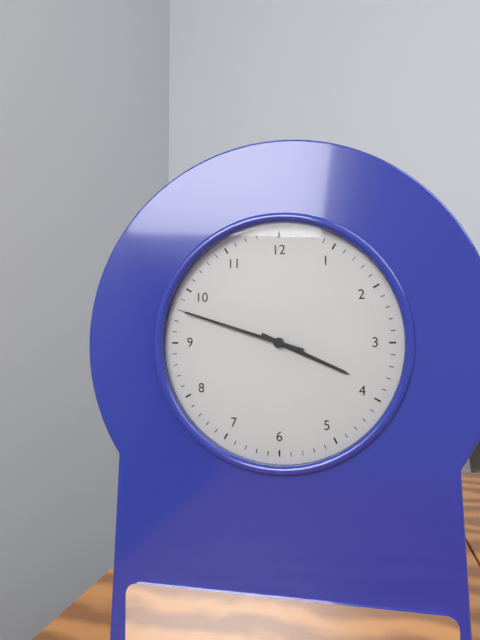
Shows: 3:48
